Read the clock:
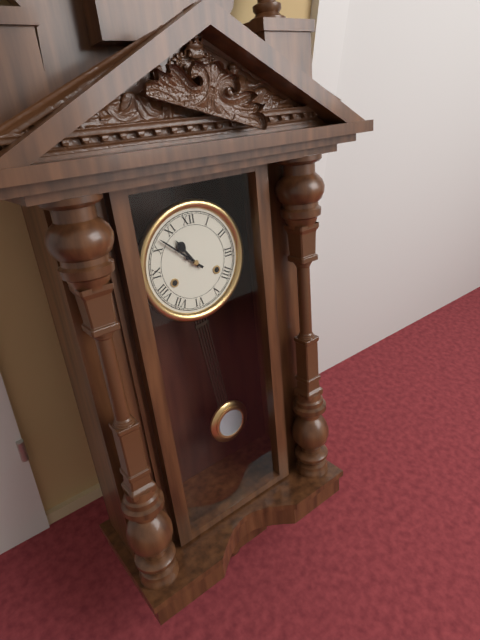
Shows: 10:52
